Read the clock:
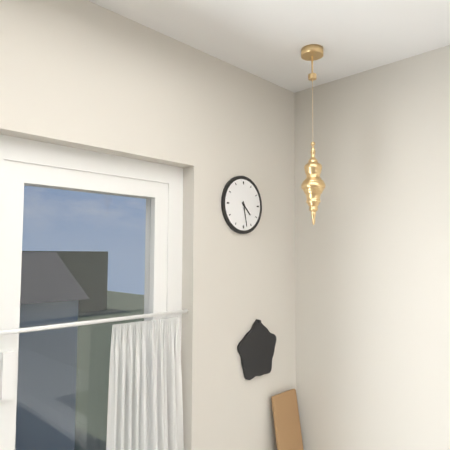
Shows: 4:28
